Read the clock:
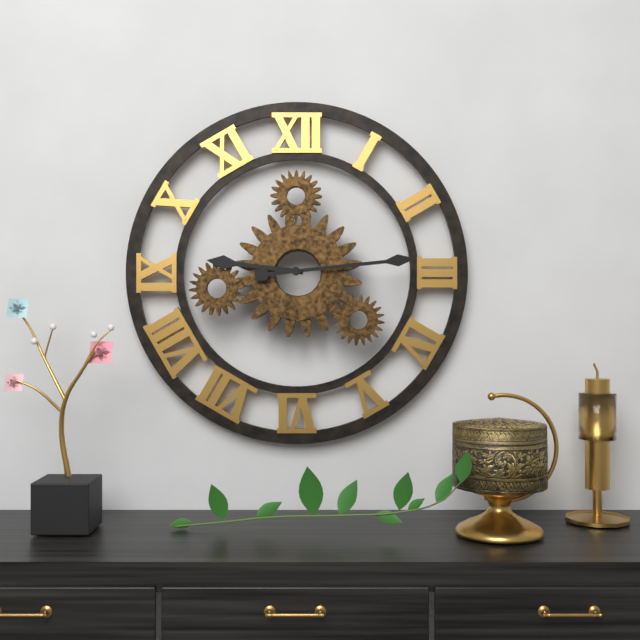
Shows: 9:14
